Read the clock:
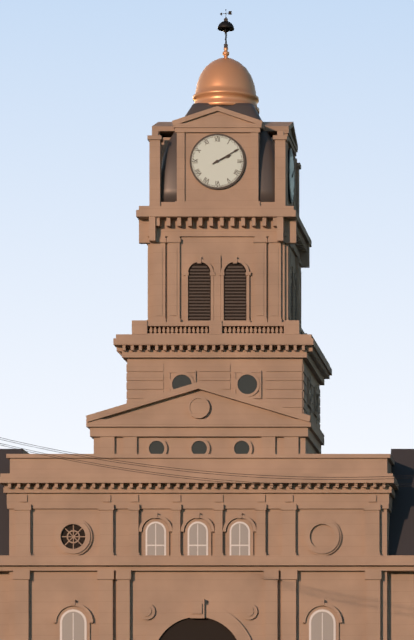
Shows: 2:10
